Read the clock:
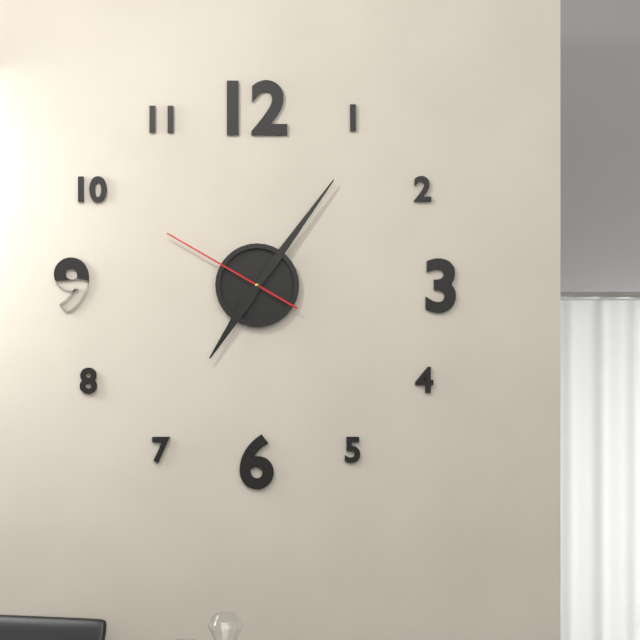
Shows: 7:06:50
